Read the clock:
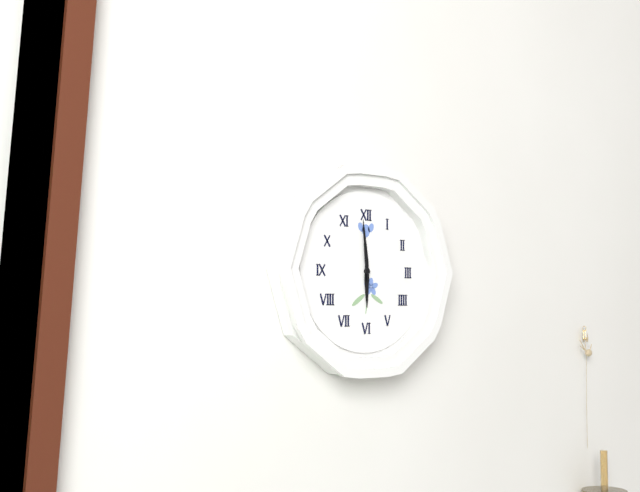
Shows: 5:59
